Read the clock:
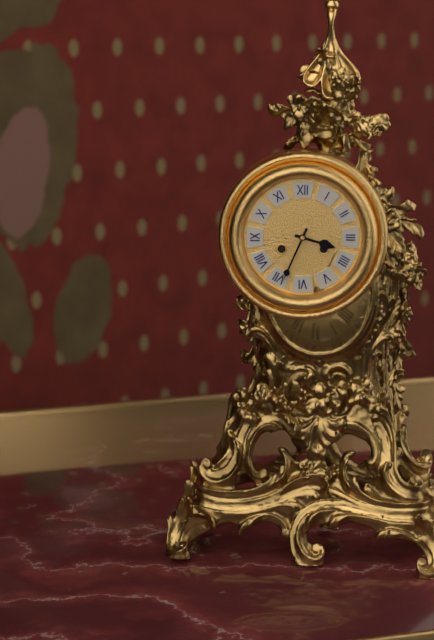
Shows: 3:34
